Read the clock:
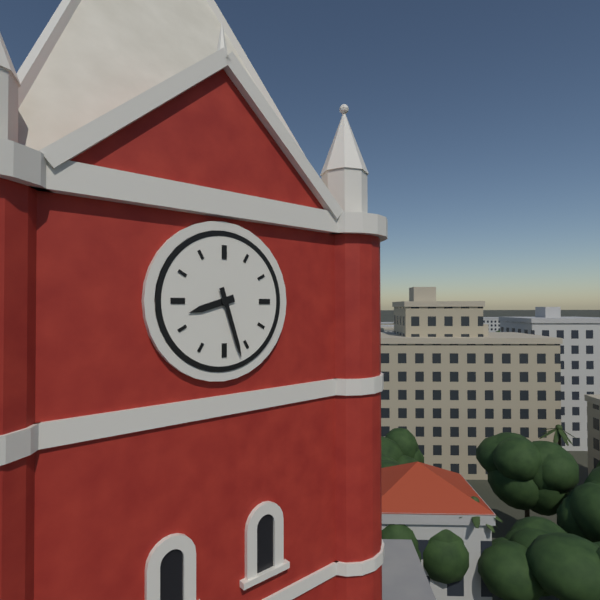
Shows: 8:27
